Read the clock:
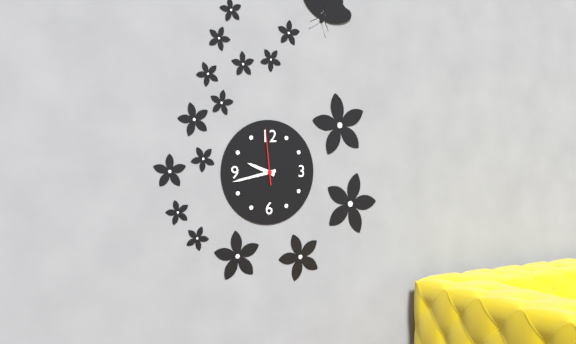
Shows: 9:43:59
